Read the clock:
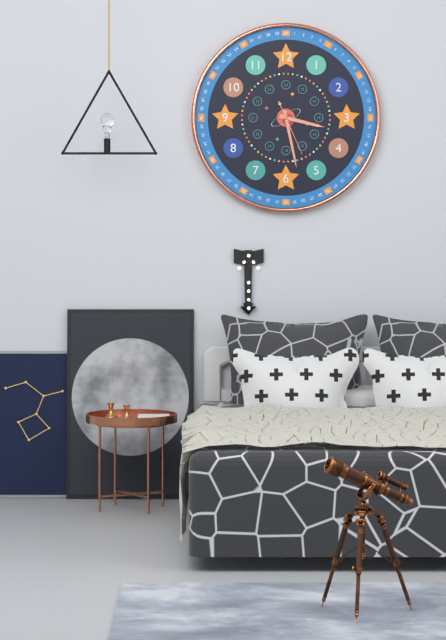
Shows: 3:28
